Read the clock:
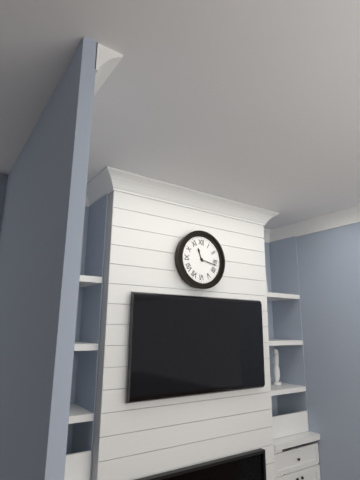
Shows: 11:17
